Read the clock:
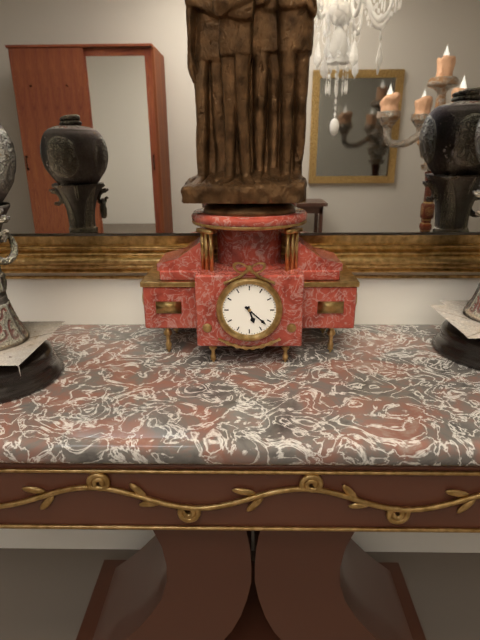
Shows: 5:22
